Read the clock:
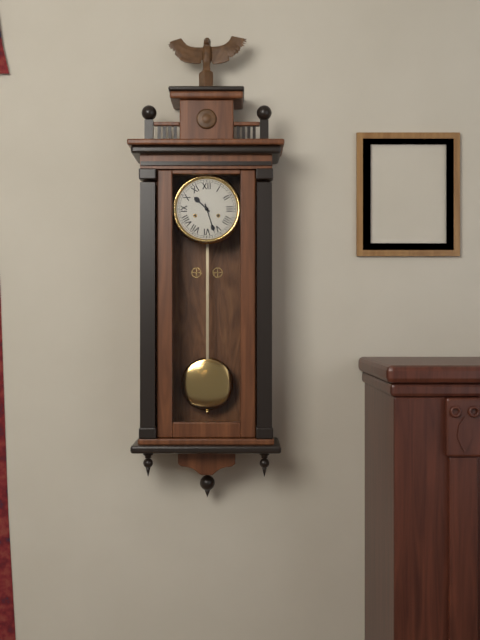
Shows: 10:27
